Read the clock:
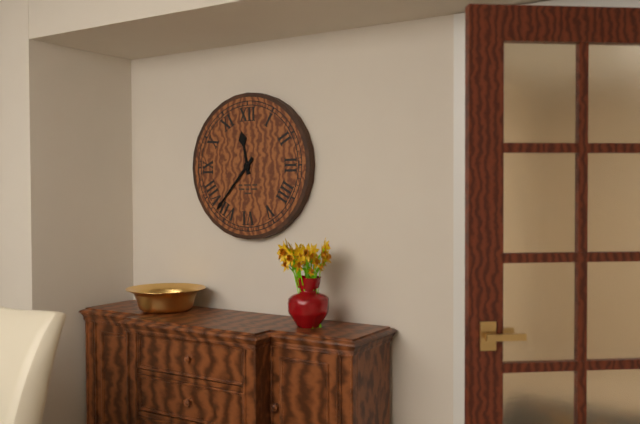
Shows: 11:37
